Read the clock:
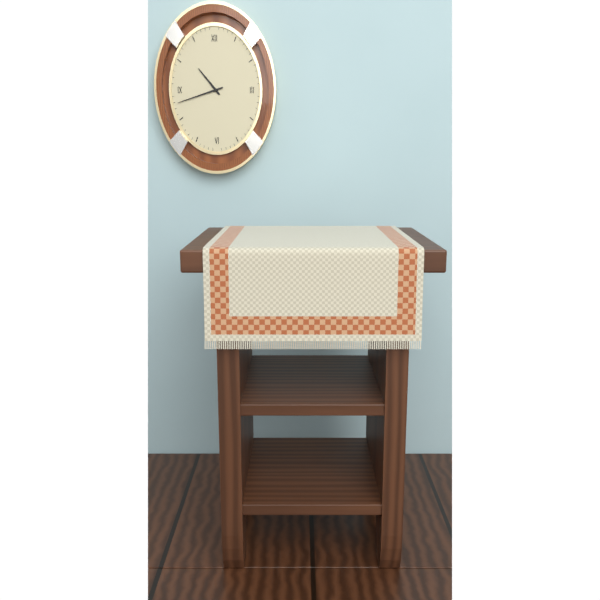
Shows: 10:42
